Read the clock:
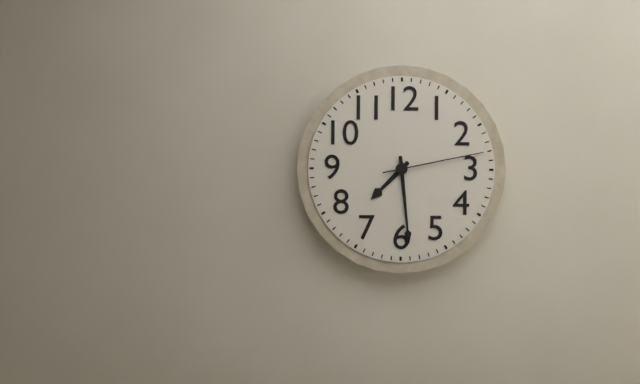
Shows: 7:29:13
